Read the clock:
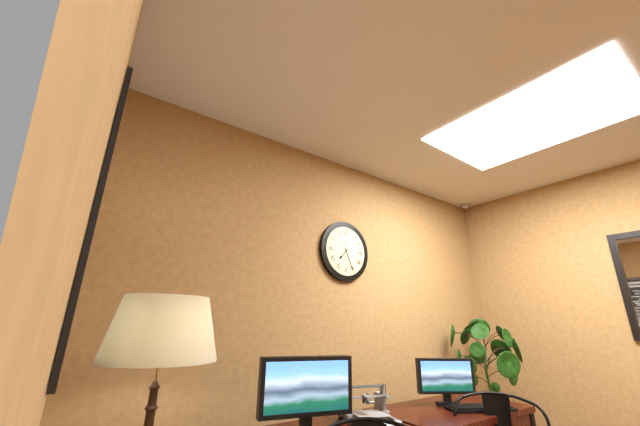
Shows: 7:26
